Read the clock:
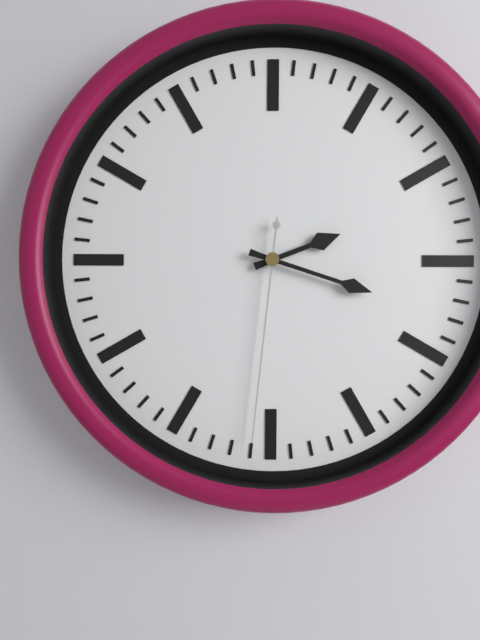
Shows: 2:18:31
